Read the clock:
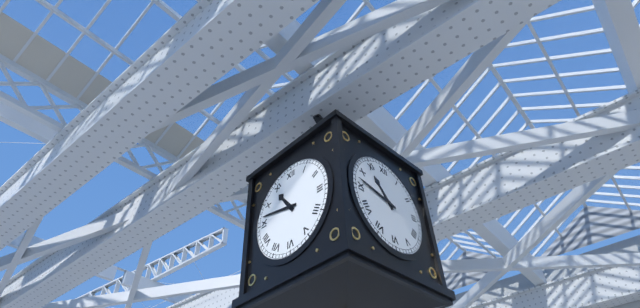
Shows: 10:47
